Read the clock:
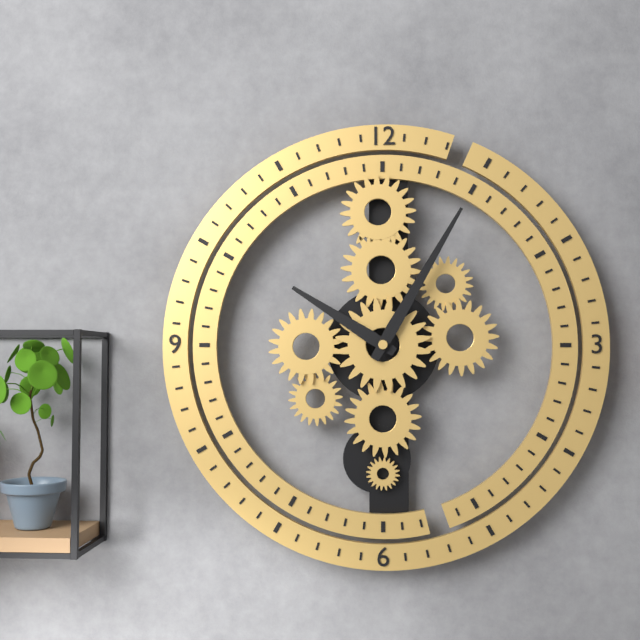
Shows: 10:05
